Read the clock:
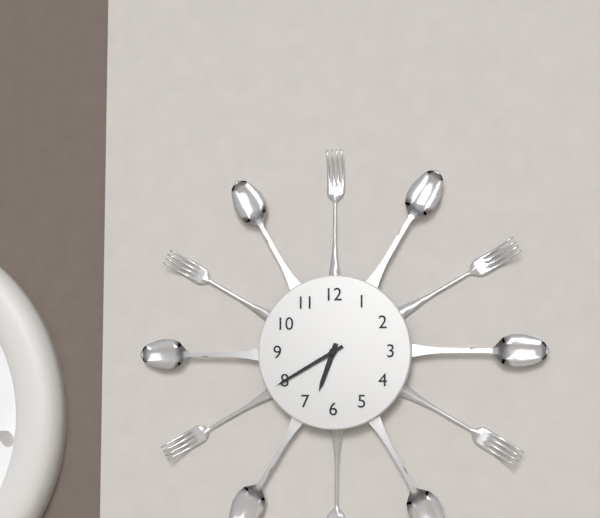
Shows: 6:40
